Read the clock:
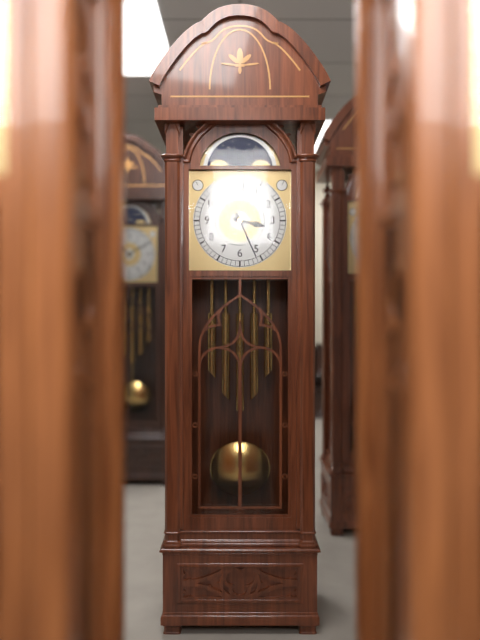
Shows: 3:26
